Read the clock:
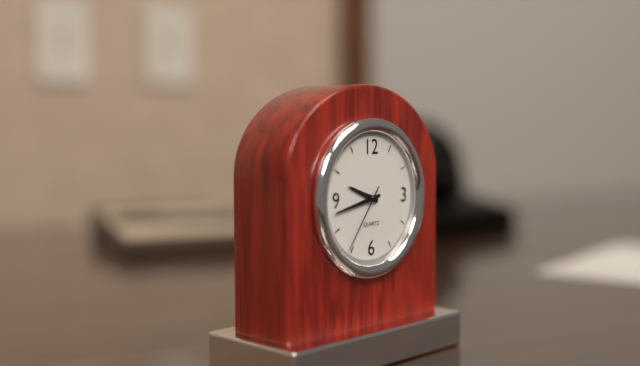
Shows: 9:43:36
